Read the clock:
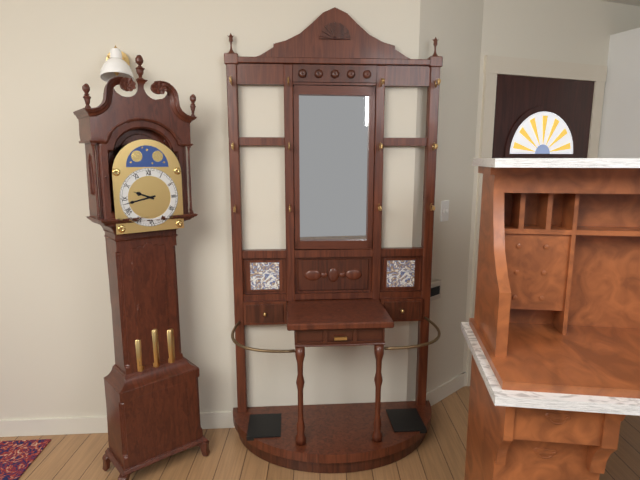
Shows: 9:43
